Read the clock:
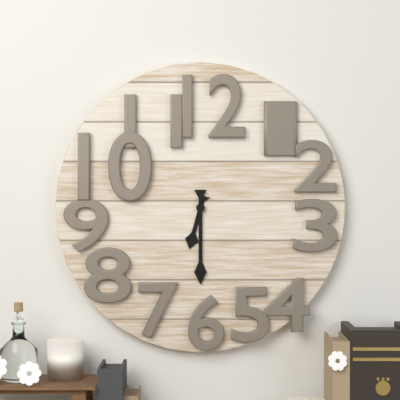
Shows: 6:30
